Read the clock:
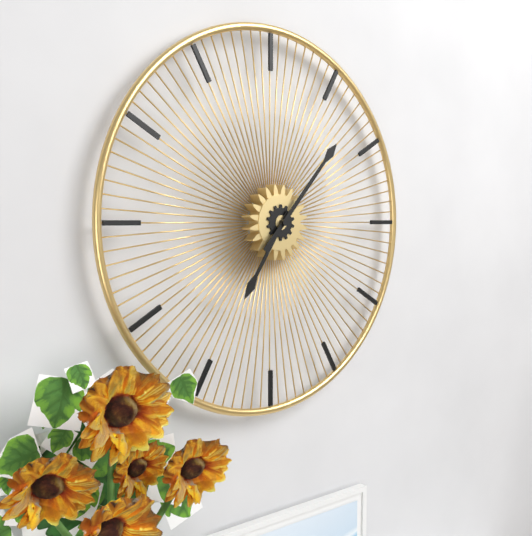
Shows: 7:07
